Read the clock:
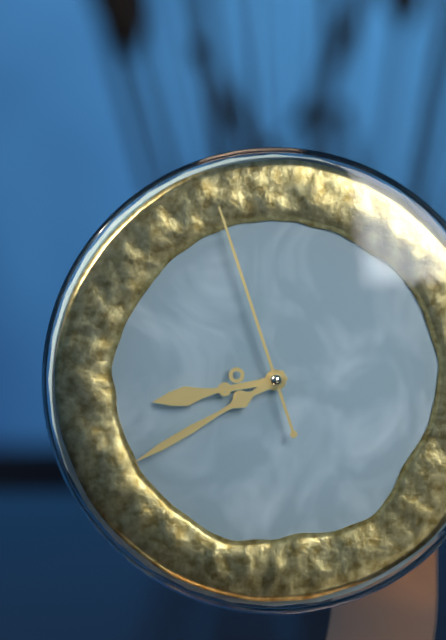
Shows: 8:40:57
